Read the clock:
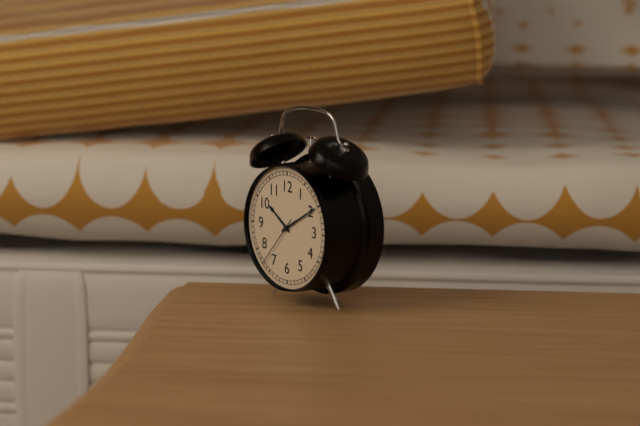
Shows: 10:10:37
